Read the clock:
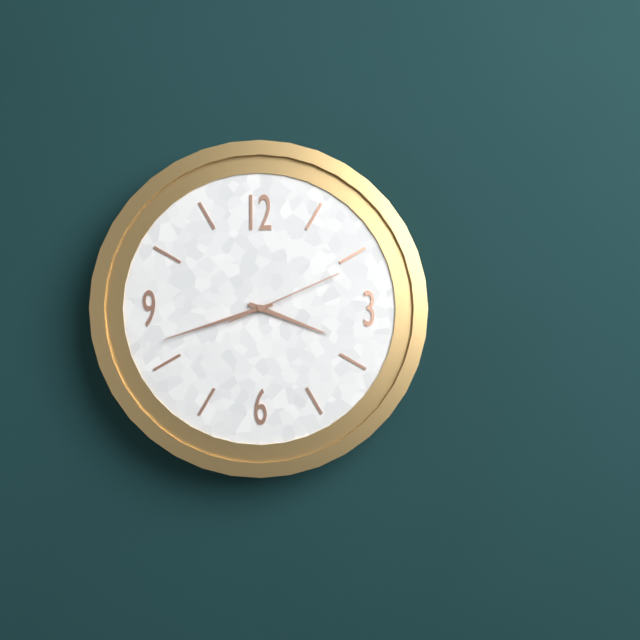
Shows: 3:42:11
